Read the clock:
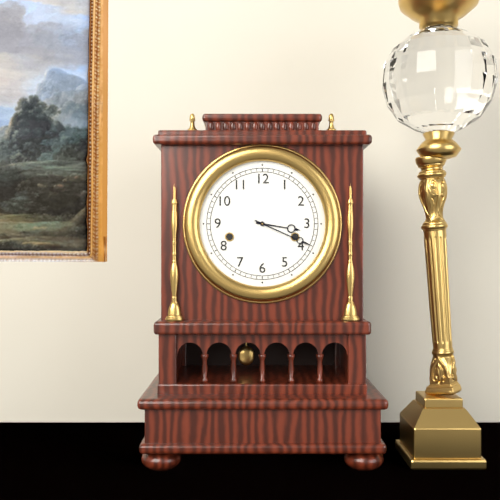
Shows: 3:19
